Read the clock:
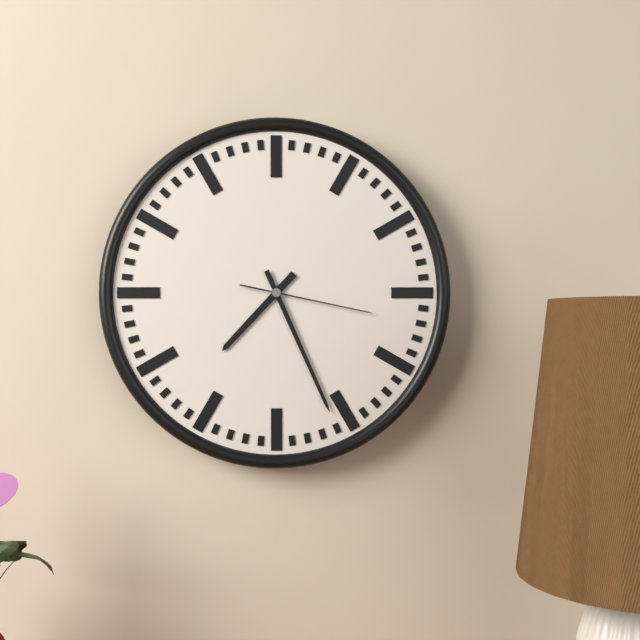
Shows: 7:26:17
